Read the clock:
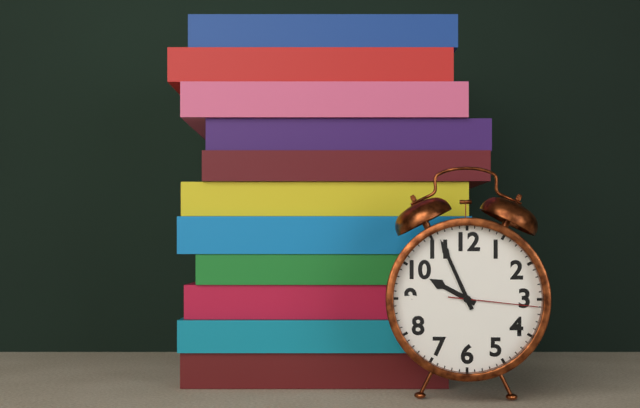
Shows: 9:56:16
